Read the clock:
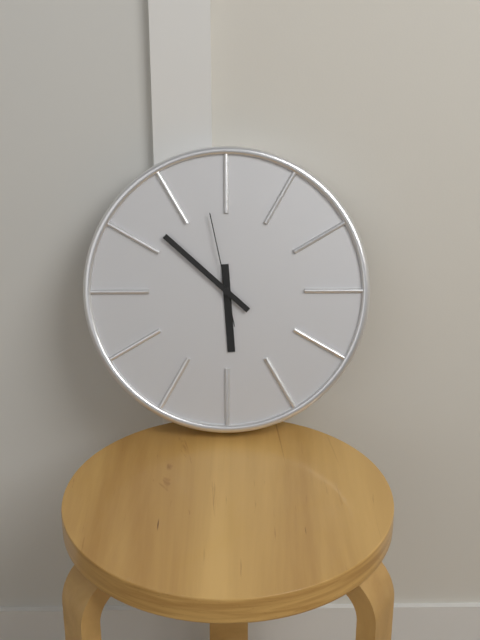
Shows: 5:52:58
